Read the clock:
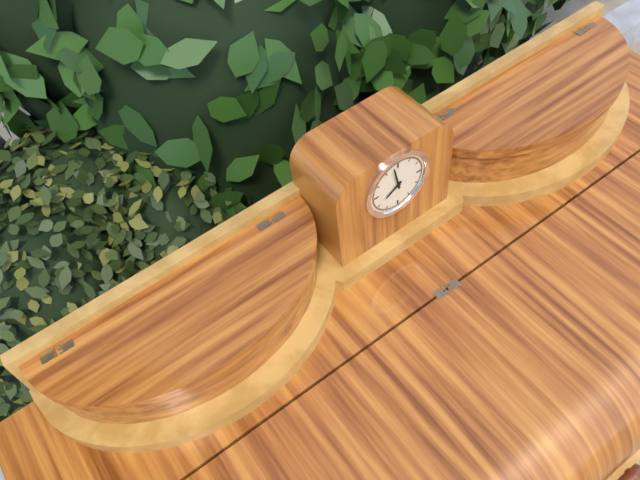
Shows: 7:58
